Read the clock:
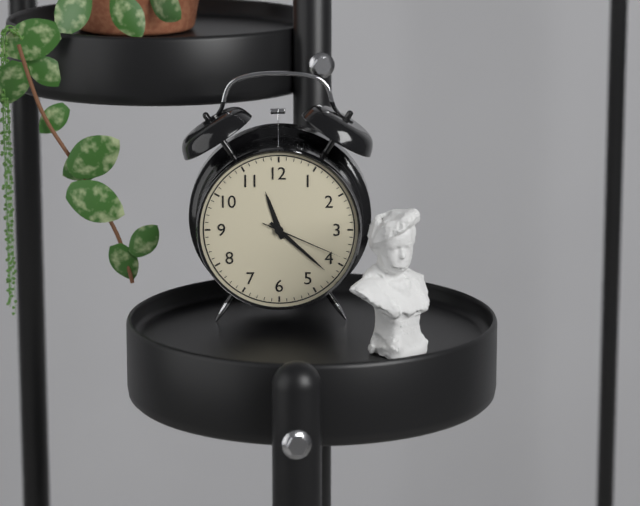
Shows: 11:22:19
